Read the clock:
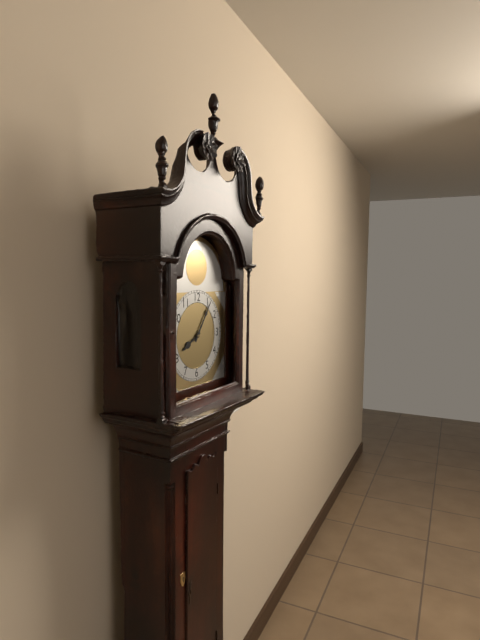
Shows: 8:06
